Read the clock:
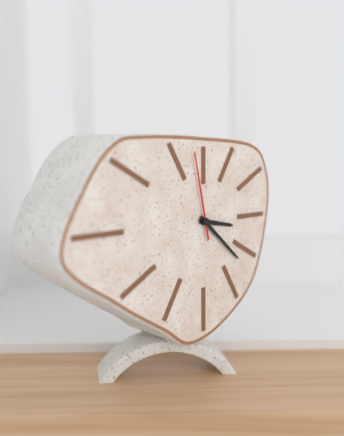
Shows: 3:22:58
